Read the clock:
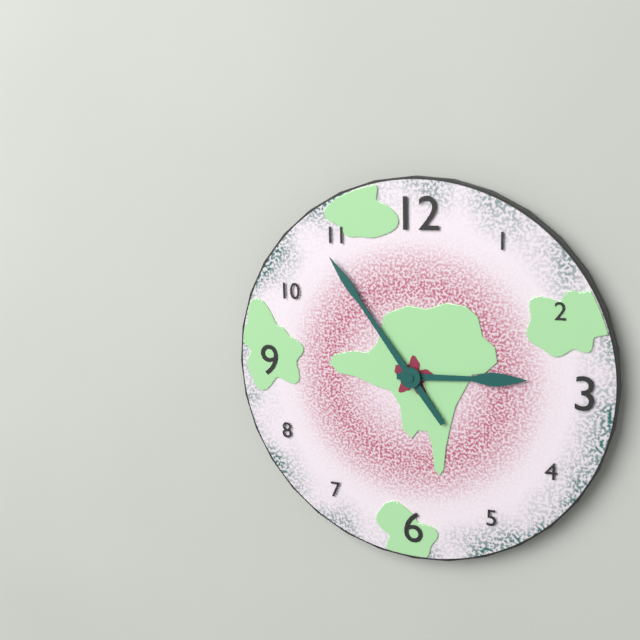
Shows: 2:54
